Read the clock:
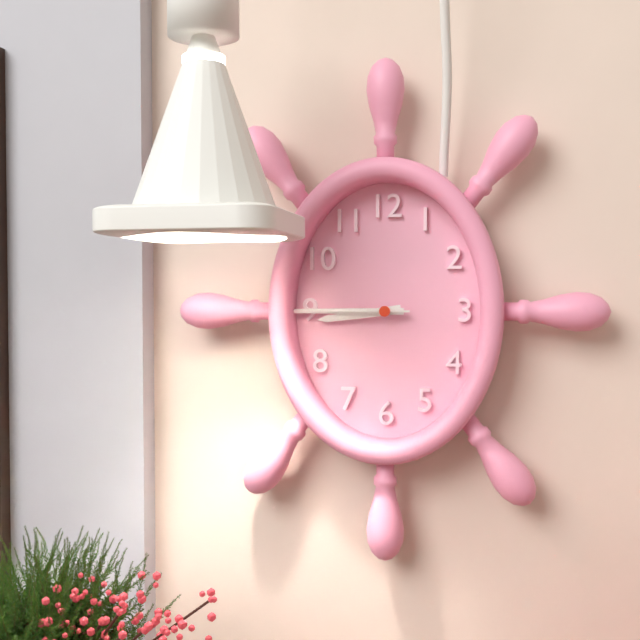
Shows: 8:45:45
